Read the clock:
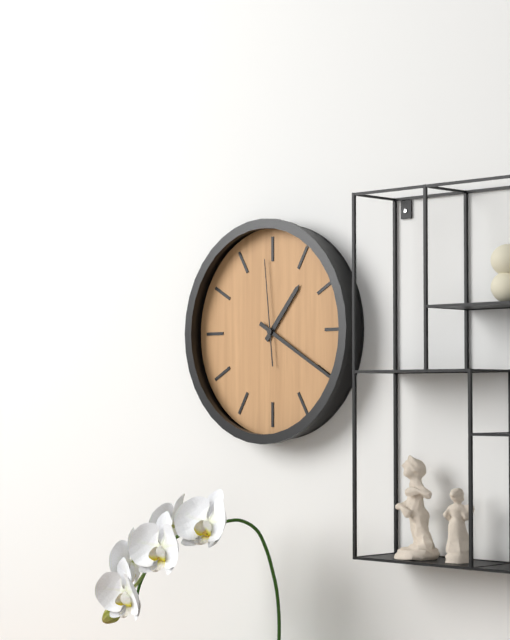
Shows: 1:20:59
